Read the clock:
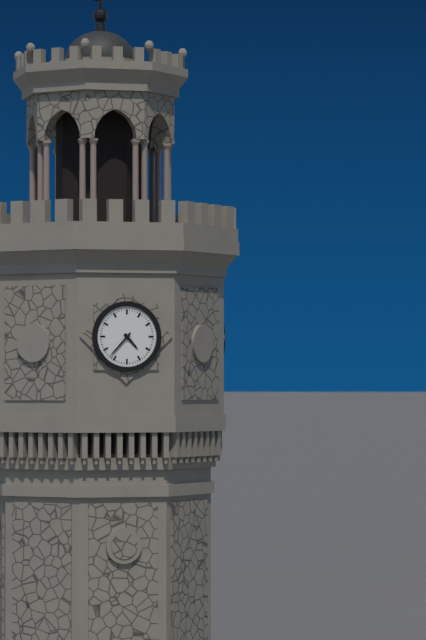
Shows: 4:37
